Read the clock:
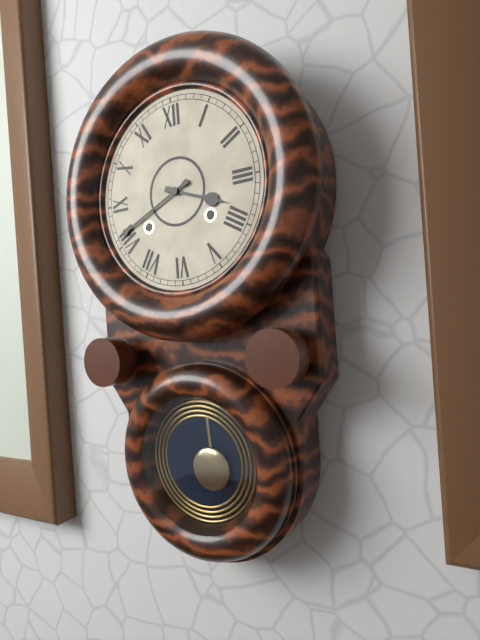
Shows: 3:41
